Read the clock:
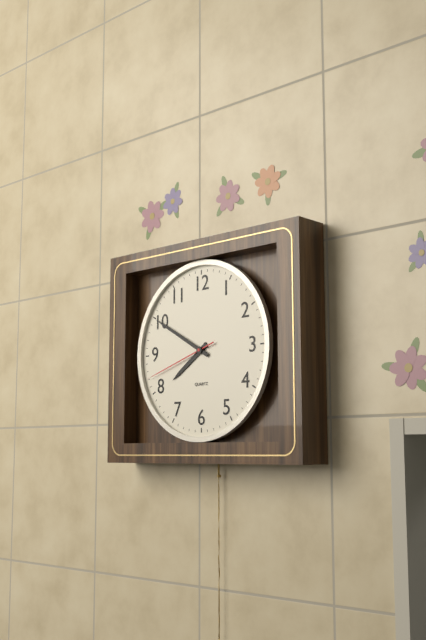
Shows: 7:50:42
